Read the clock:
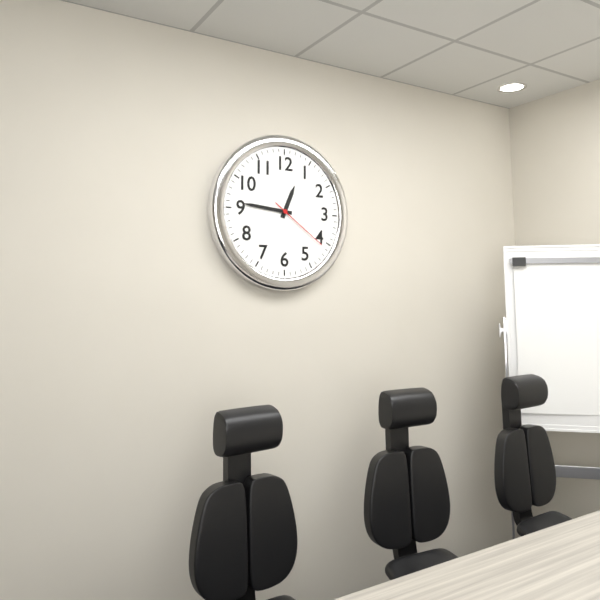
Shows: 12:46:21
